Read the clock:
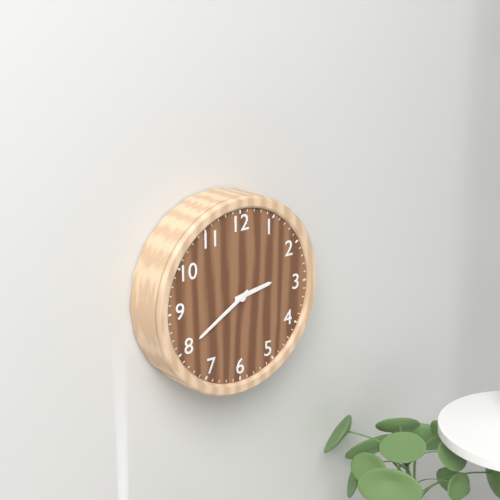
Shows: 2:40
